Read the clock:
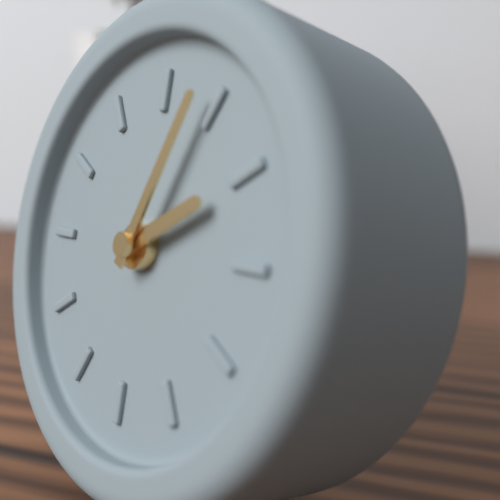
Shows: 2:04
